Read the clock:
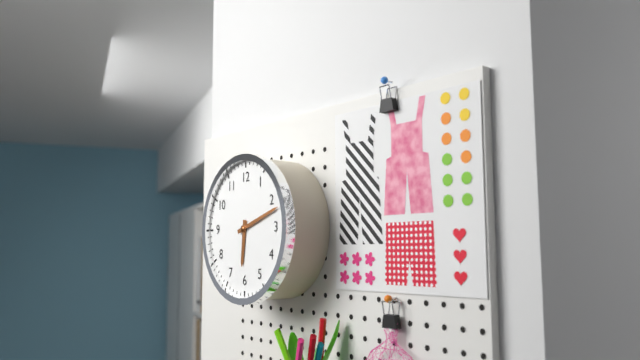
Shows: 6:12
